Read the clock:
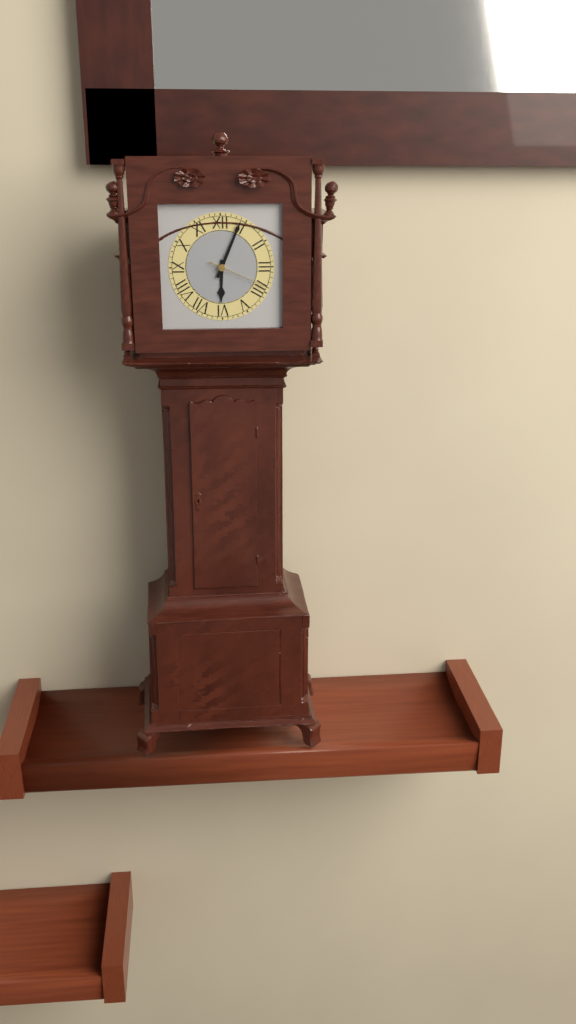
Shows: 6:04:19
